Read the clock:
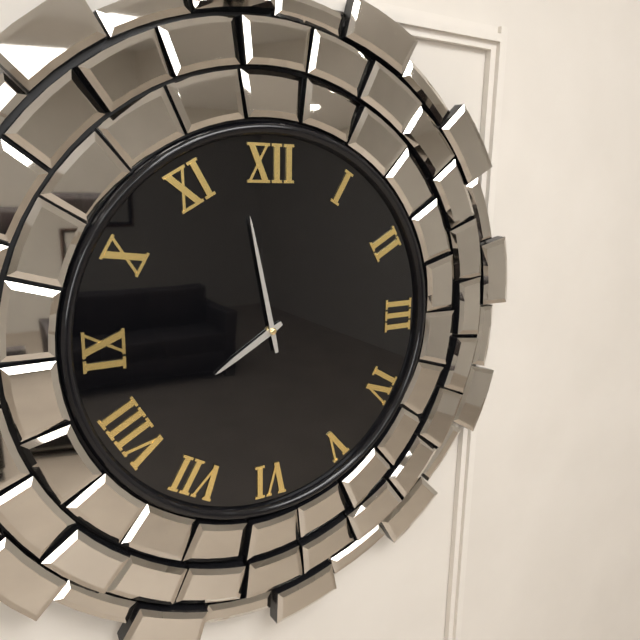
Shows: 7:58
